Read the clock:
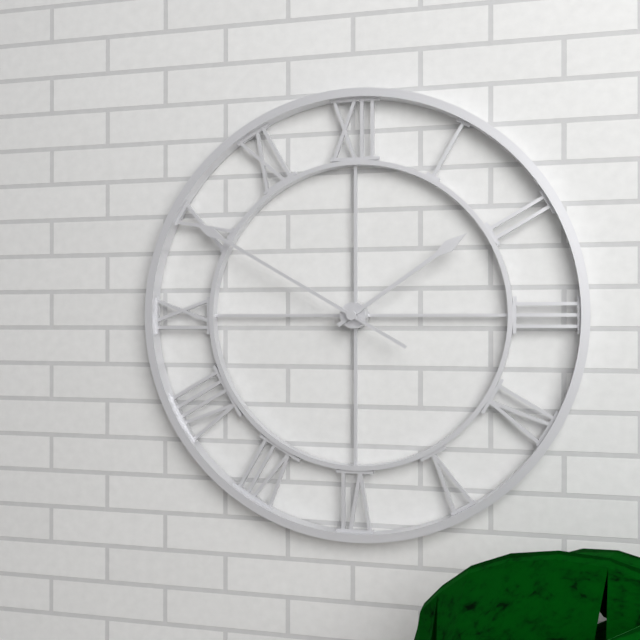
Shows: 1:50
